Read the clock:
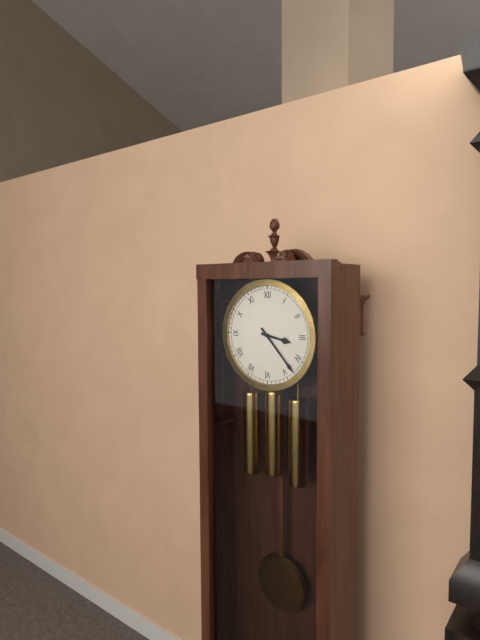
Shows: 3:23
